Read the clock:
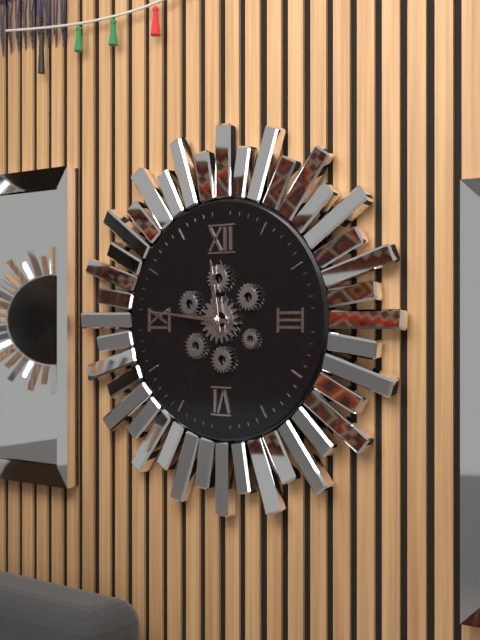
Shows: 11:46
